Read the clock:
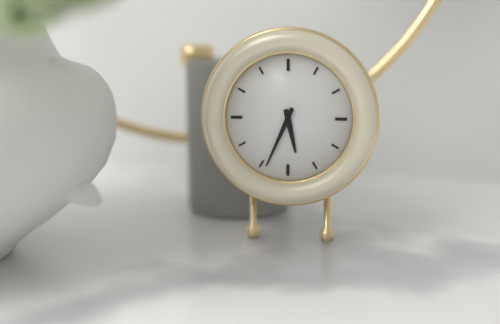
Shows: 5:34
